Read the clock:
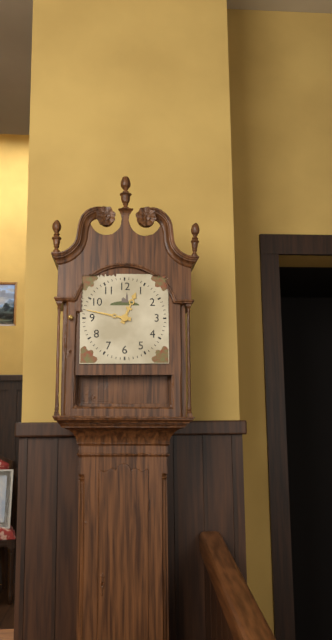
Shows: 12:47
